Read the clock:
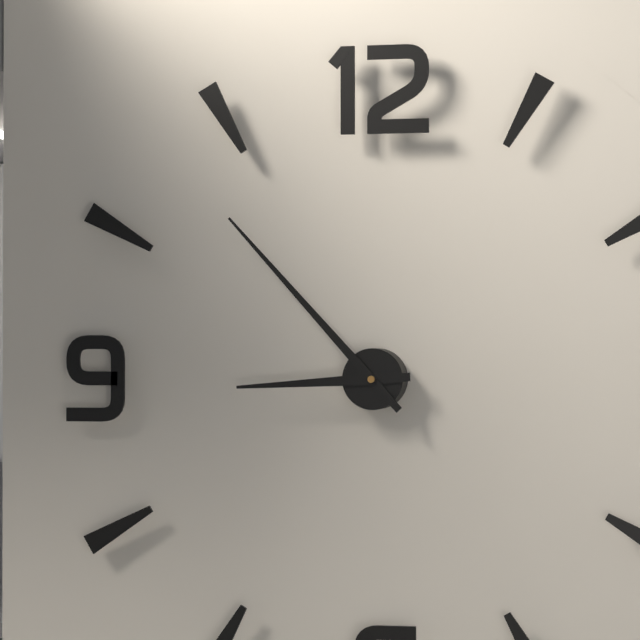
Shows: 8:53
